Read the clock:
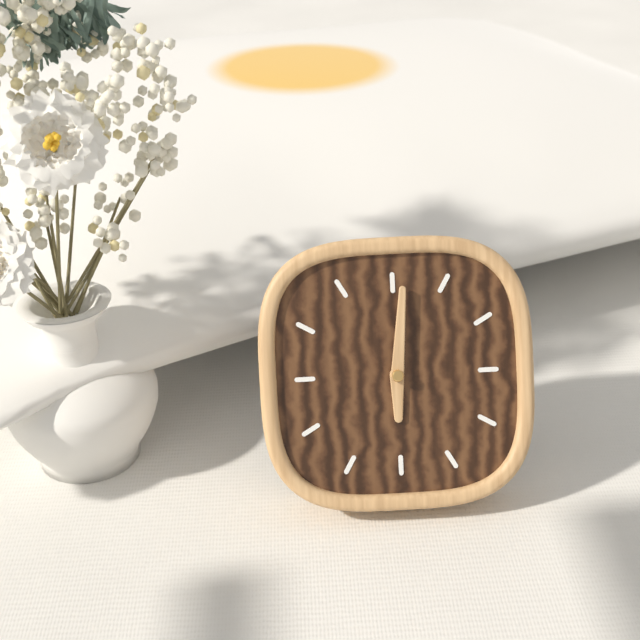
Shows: 6:01
